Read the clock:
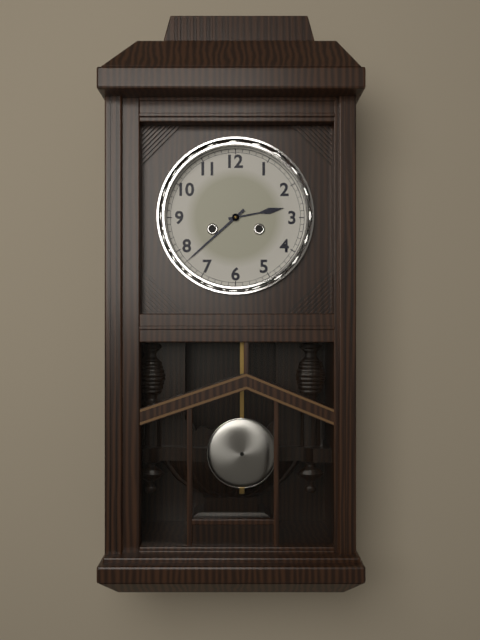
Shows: 2:38
